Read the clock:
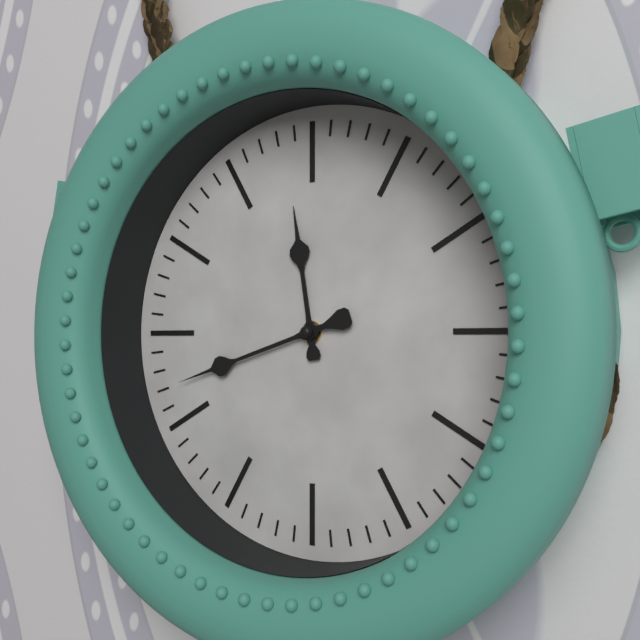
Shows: 11:42
